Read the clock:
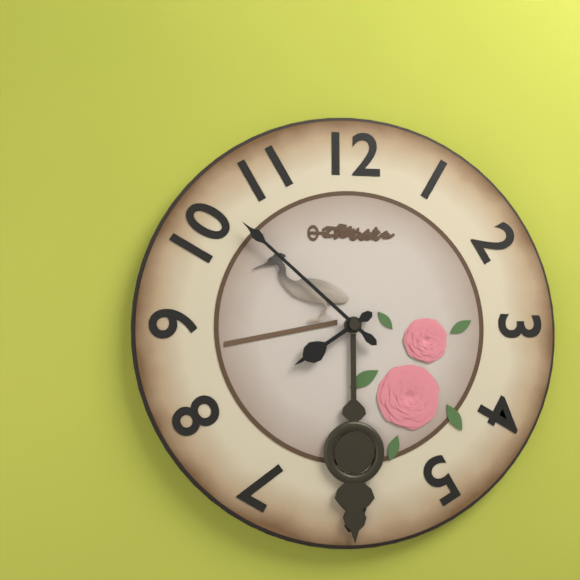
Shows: 7:52
